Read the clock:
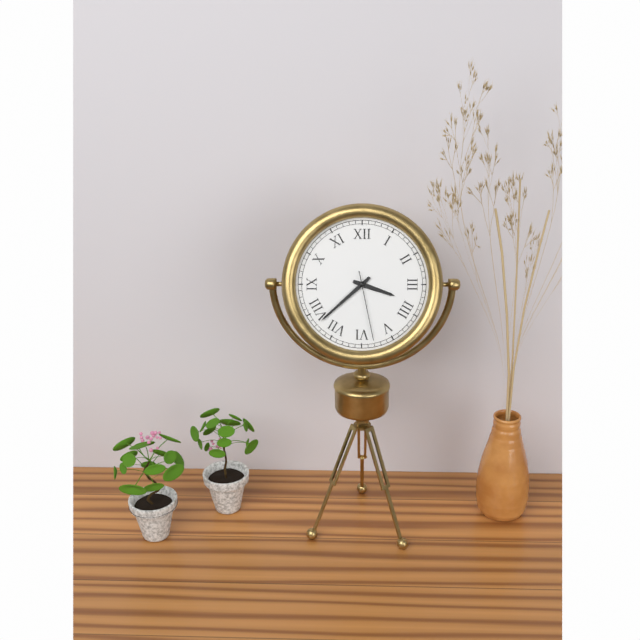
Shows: 3:38:28
